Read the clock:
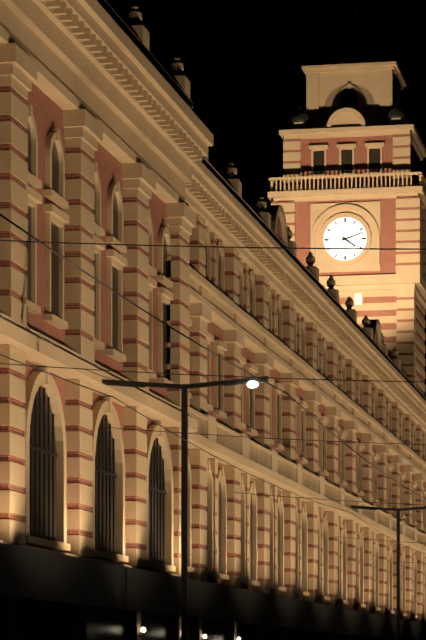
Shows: 4:12
